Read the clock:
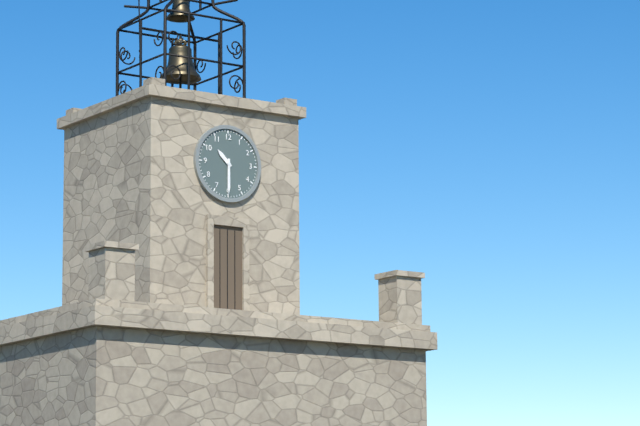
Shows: 10:30
